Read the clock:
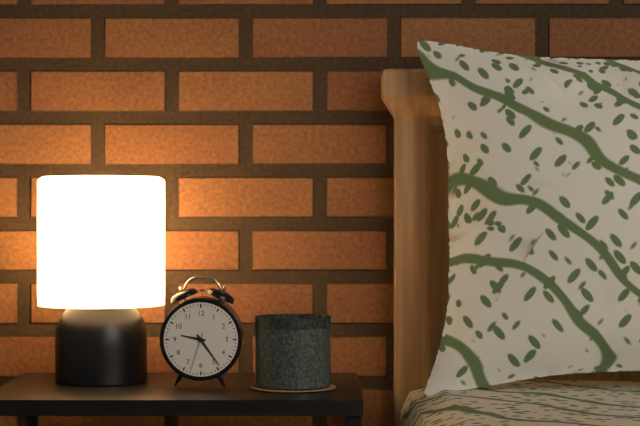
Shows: 9:24
